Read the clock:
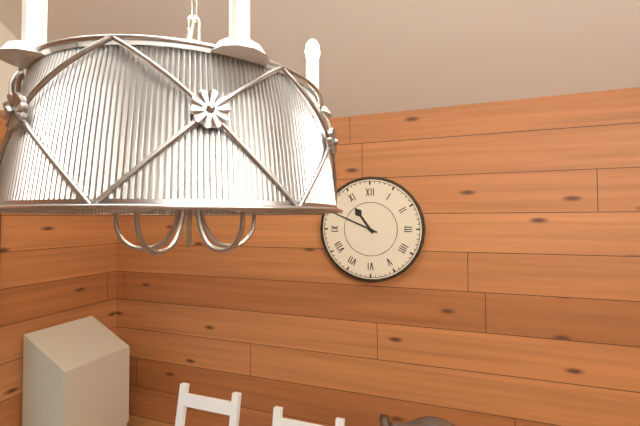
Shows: 10:49
